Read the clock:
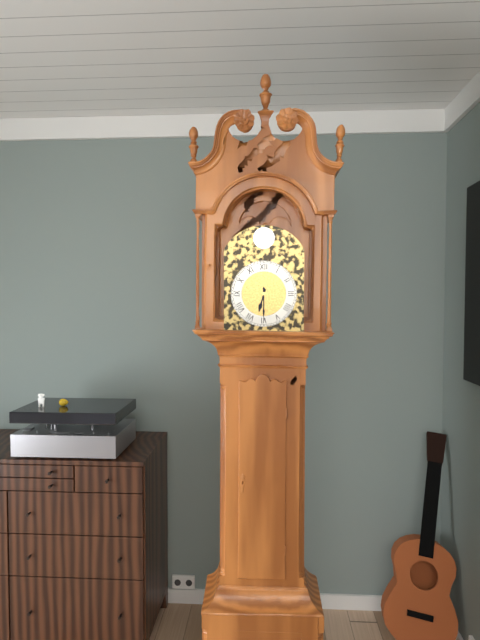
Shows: 6:30
